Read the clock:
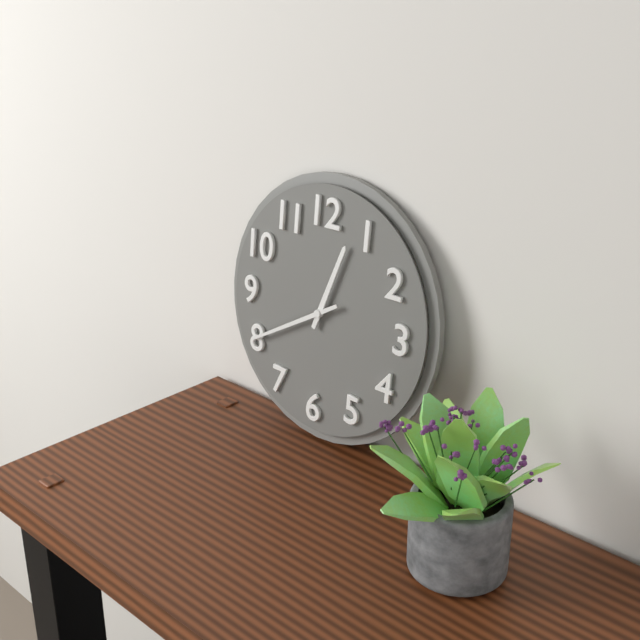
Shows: 12:40
